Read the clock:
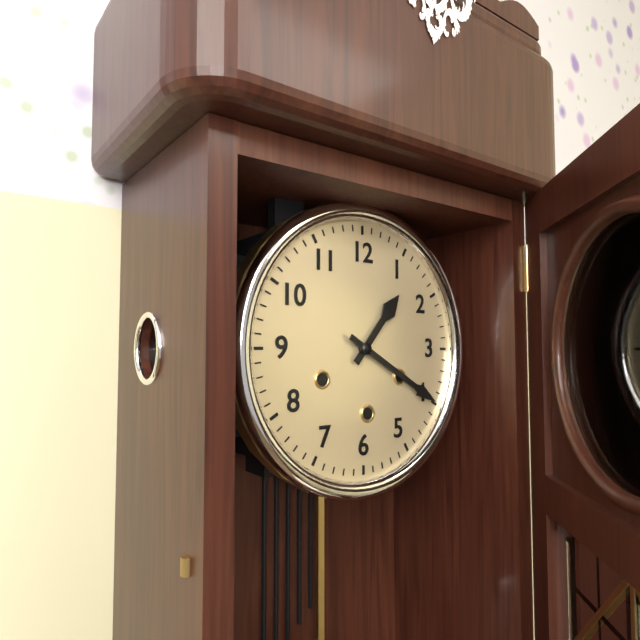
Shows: 1:20
